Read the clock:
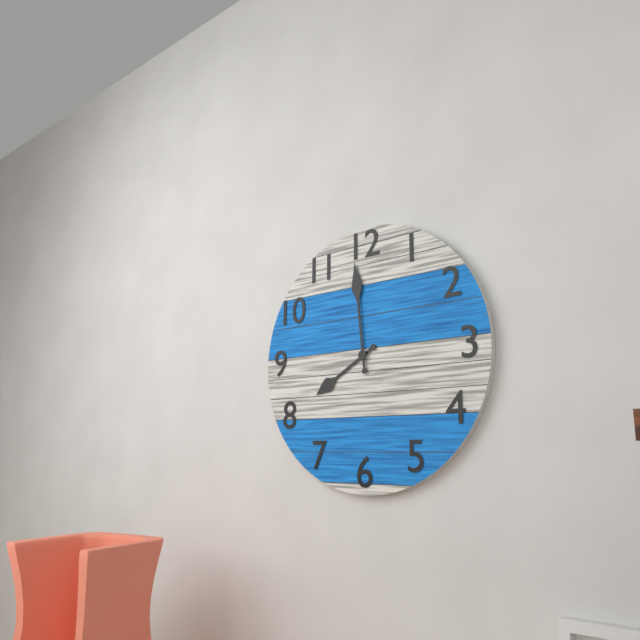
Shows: 7:59
